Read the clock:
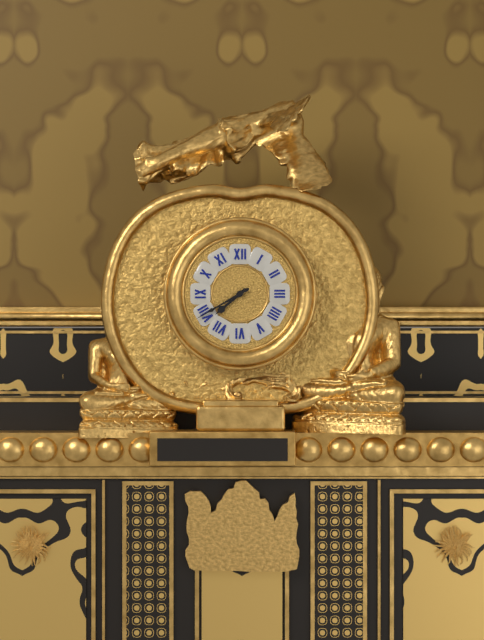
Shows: 7:40
